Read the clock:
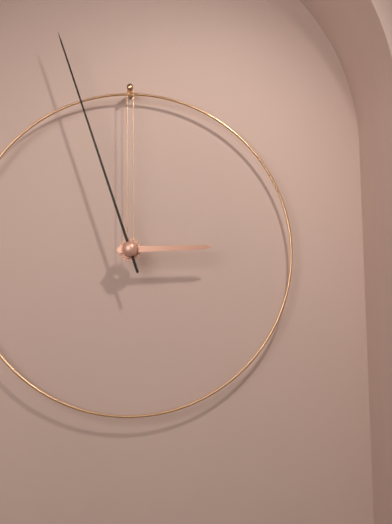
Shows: 2:57
